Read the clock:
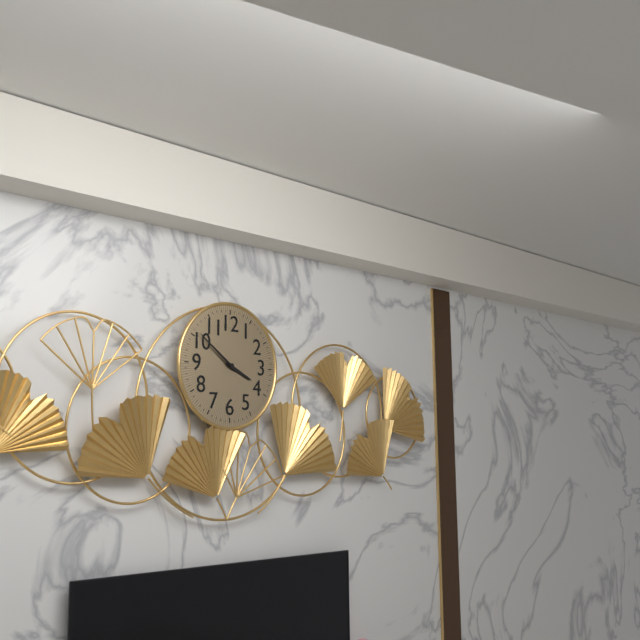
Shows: 3:51
